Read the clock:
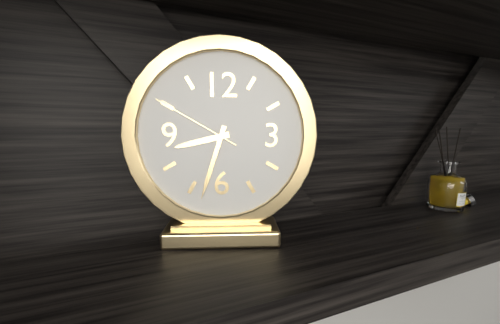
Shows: 8:33:50
